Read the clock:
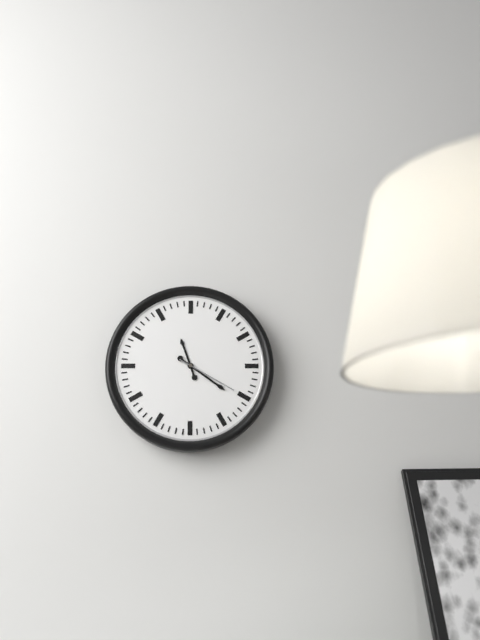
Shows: 11:21:20
